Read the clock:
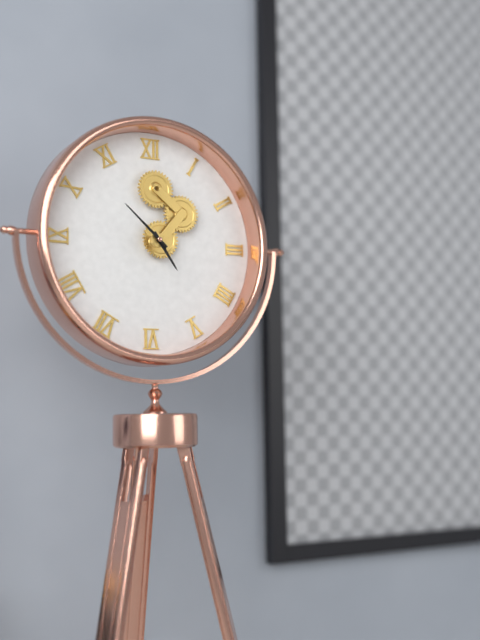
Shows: 4:52
